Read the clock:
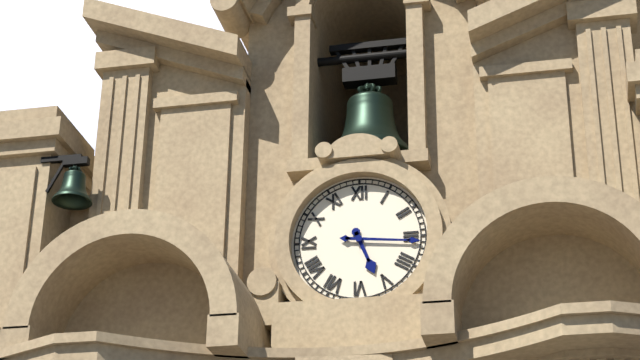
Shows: 5:16
